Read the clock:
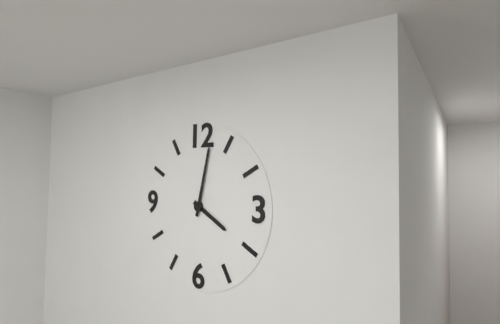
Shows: 4:02
